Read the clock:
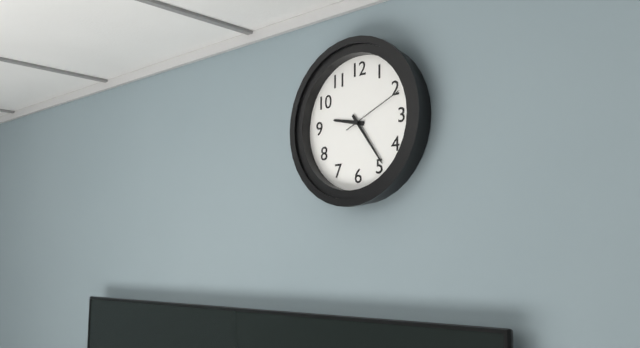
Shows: 9:24:11
